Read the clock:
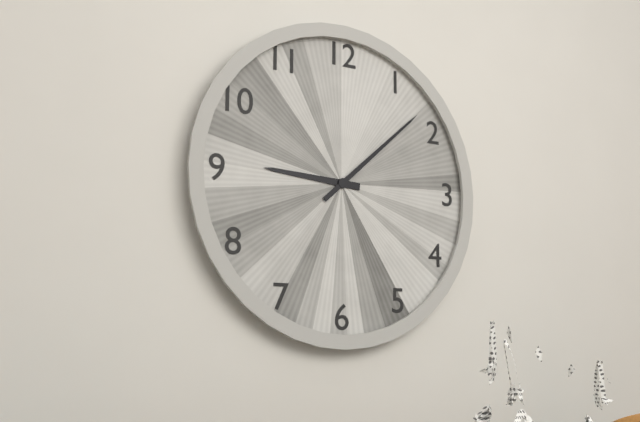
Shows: 9:08
